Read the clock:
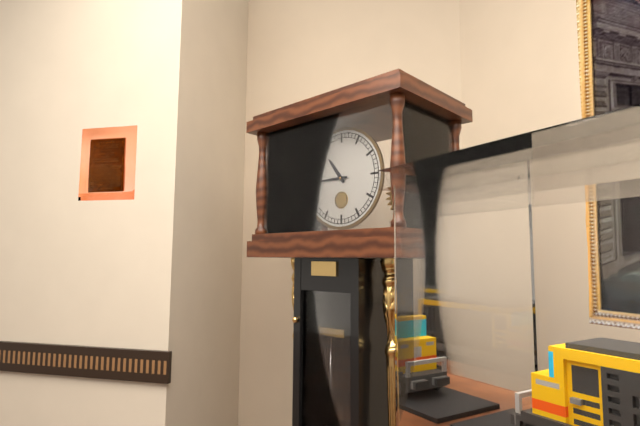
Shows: 10:45
